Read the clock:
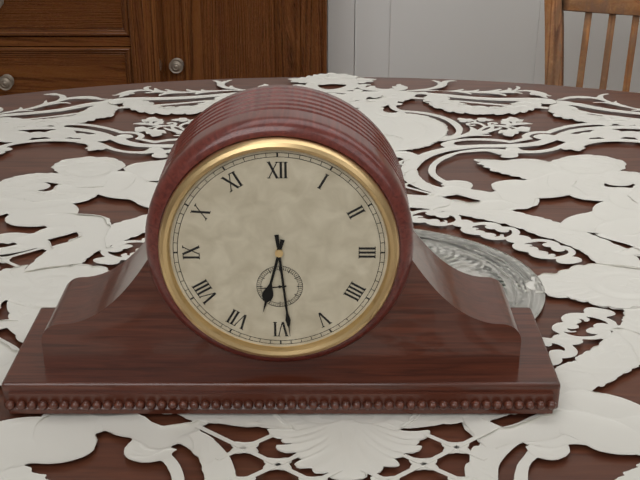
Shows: 6:29
